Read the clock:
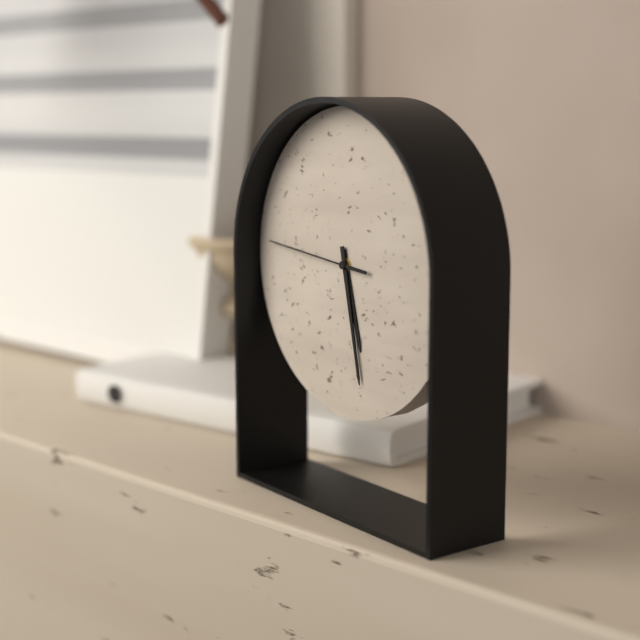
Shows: 5:28:46
